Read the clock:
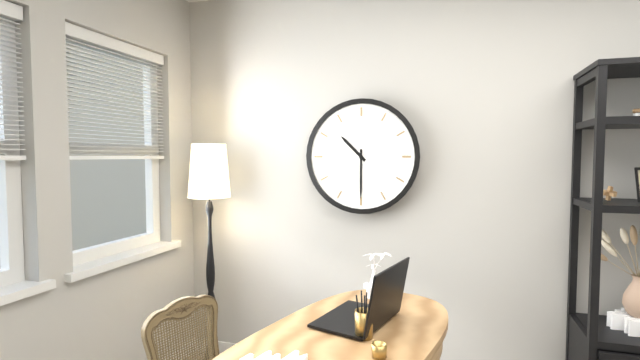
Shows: 10:30
